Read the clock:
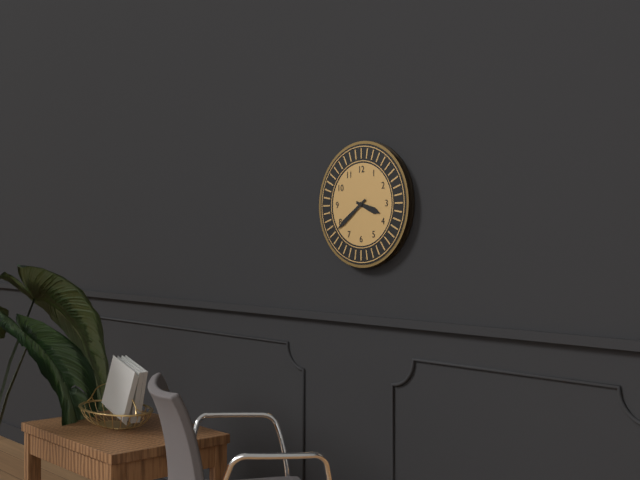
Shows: 3:39
